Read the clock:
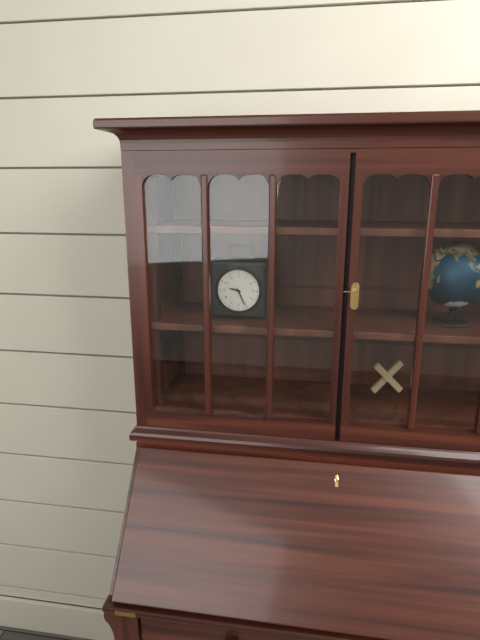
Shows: 9:26
